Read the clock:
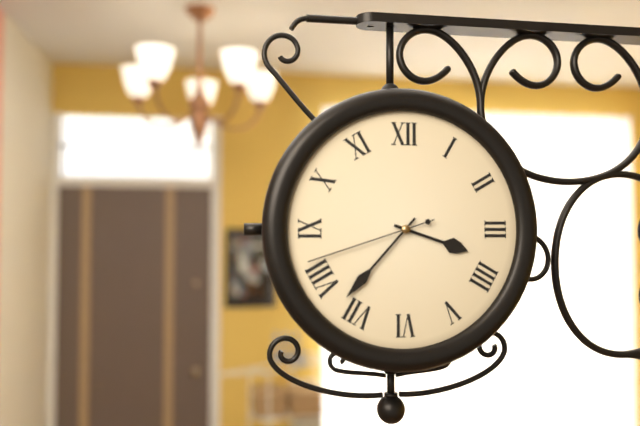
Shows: 3:37:42
